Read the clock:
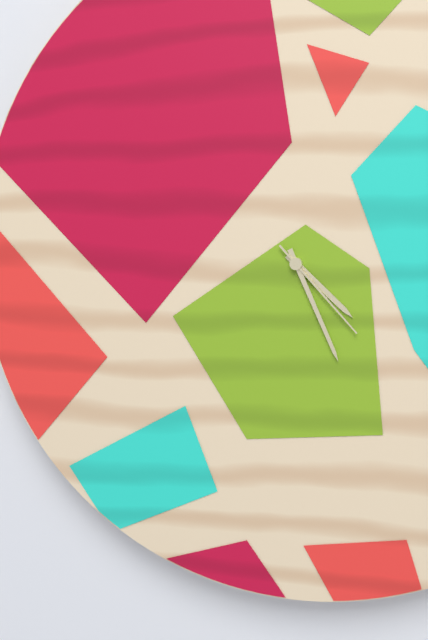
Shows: 4:26:23
